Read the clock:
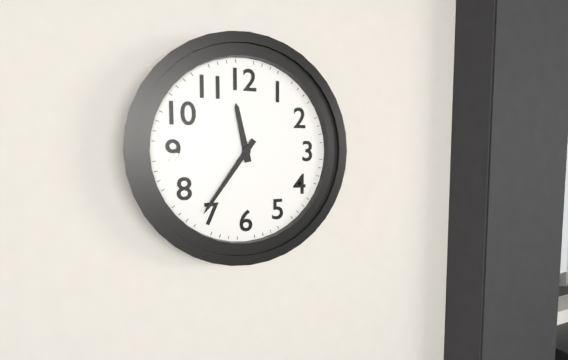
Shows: 11:36
